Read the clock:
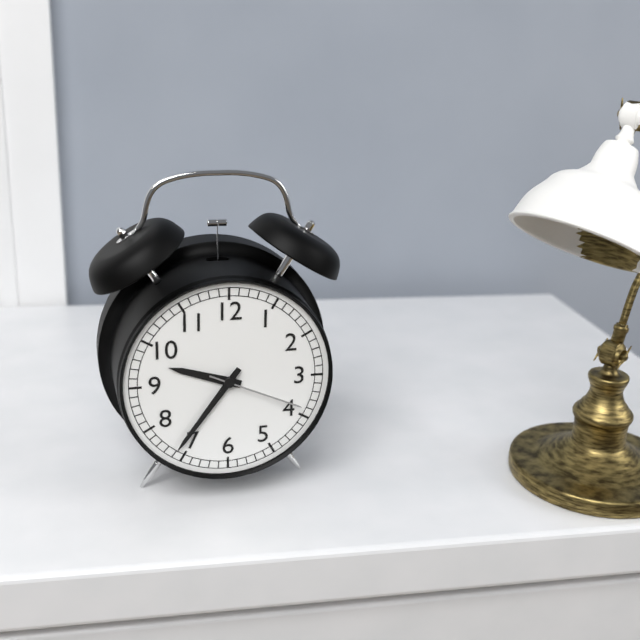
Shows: 9:36:19
